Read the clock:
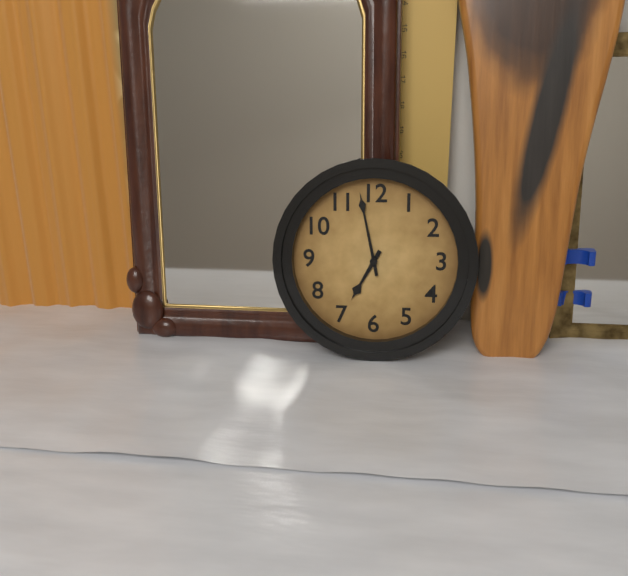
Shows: 6:58
